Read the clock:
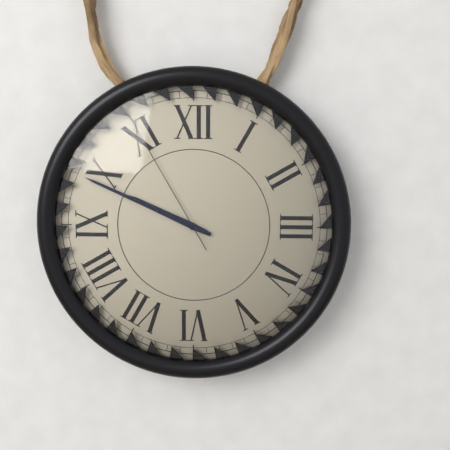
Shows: 9:49:55
